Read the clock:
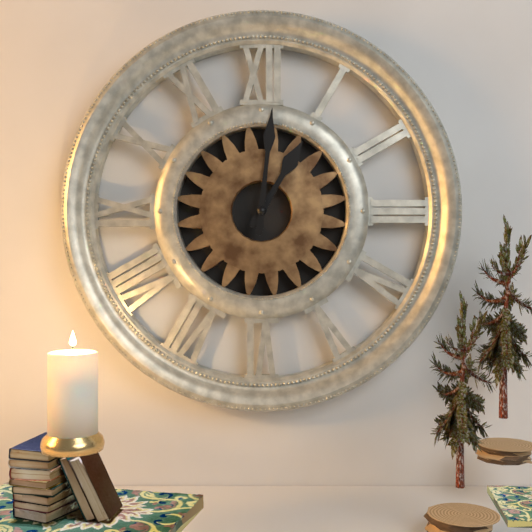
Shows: 1:01
